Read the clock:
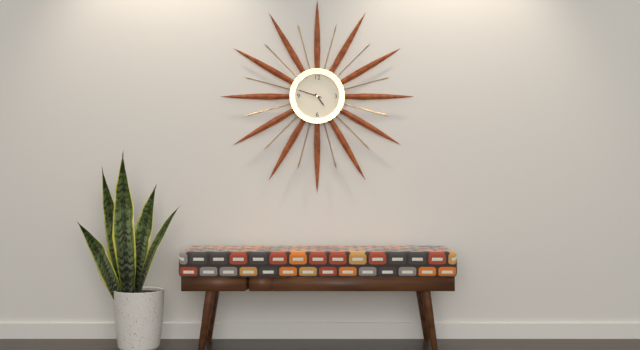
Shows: 4:48
